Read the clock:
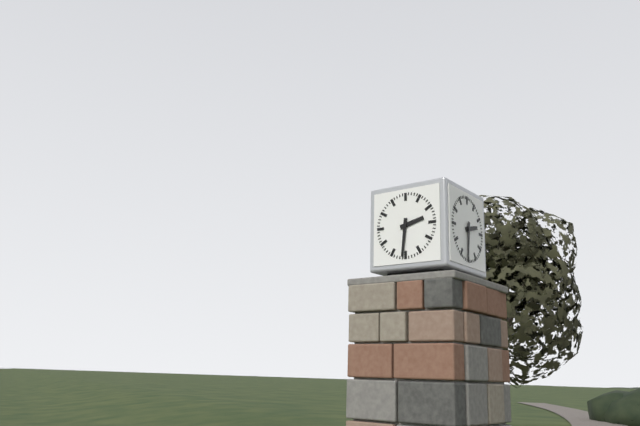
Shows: 2:31
